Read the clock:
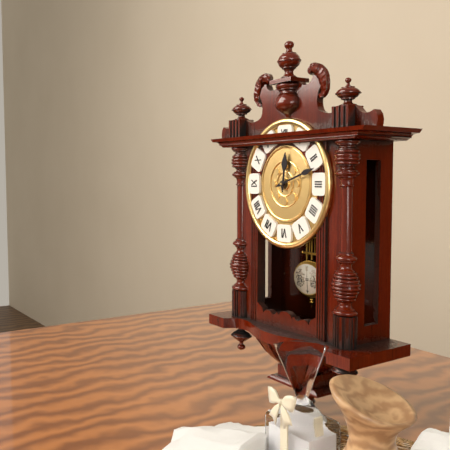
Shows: 12:12
